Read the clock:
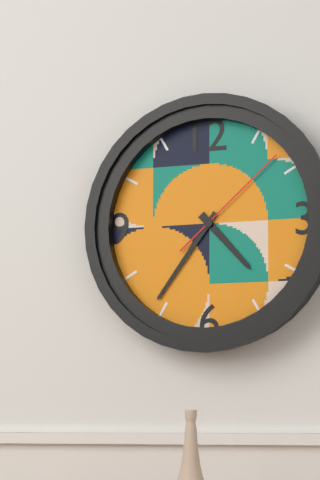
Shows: 4:36:08
